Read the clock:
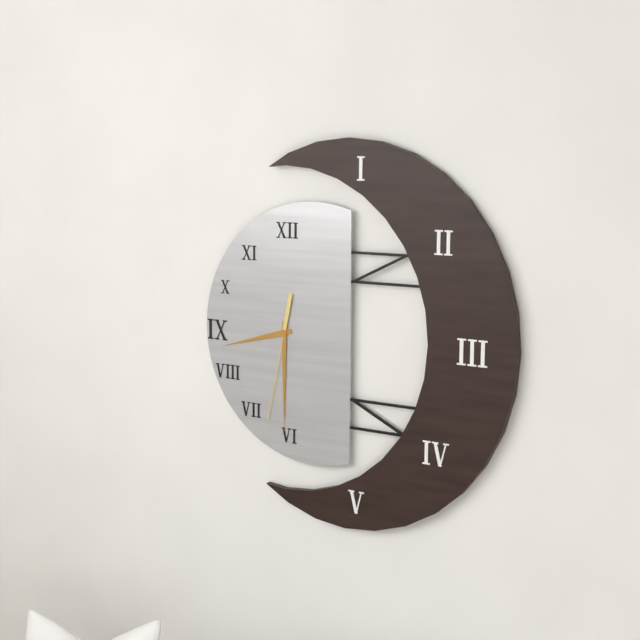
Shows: 8:30:32
